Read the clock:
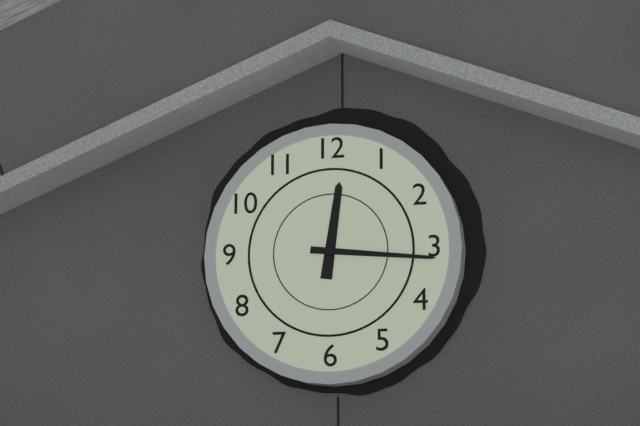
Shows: 12:16
